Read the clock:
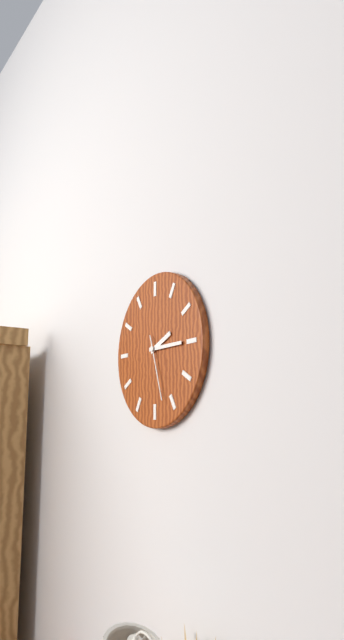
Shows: 2:15:27
